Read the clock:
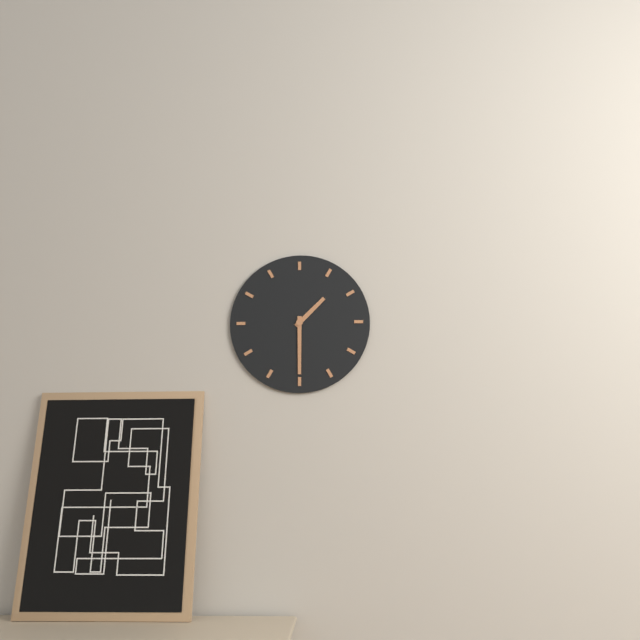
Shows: 1:30
